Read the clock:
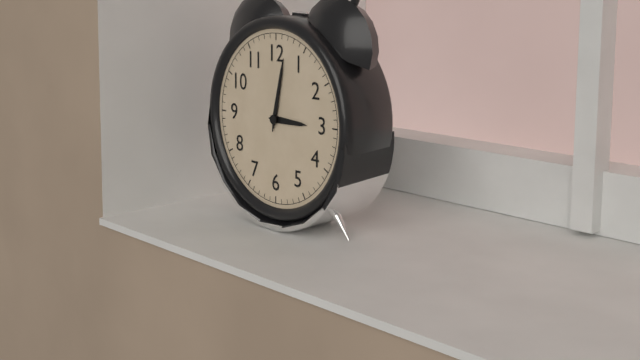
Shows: 3:02
